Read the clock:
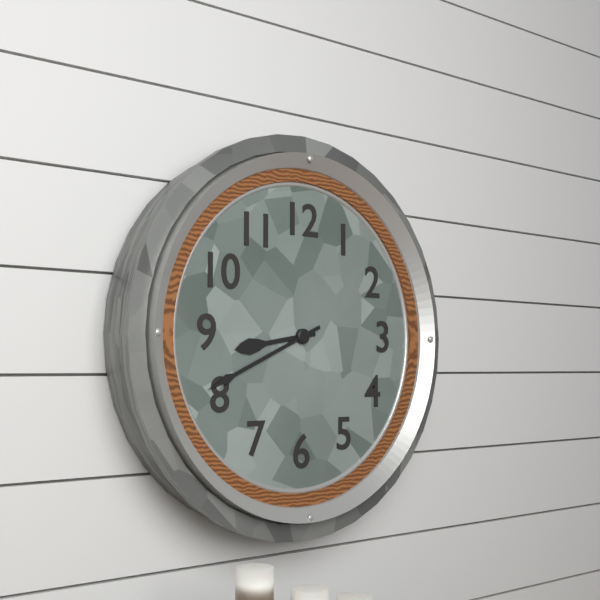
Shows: 8:41
